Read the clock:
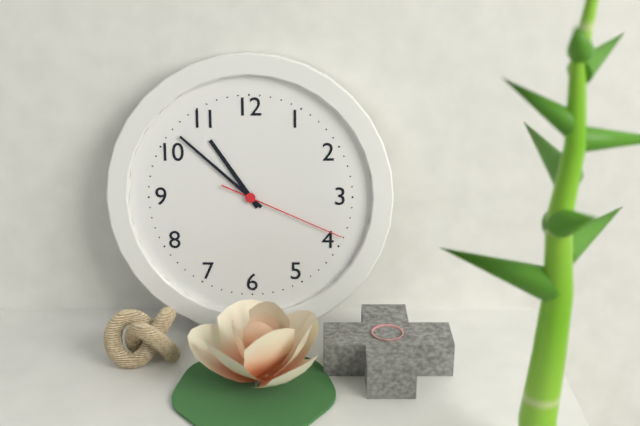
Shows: 10:52:19
